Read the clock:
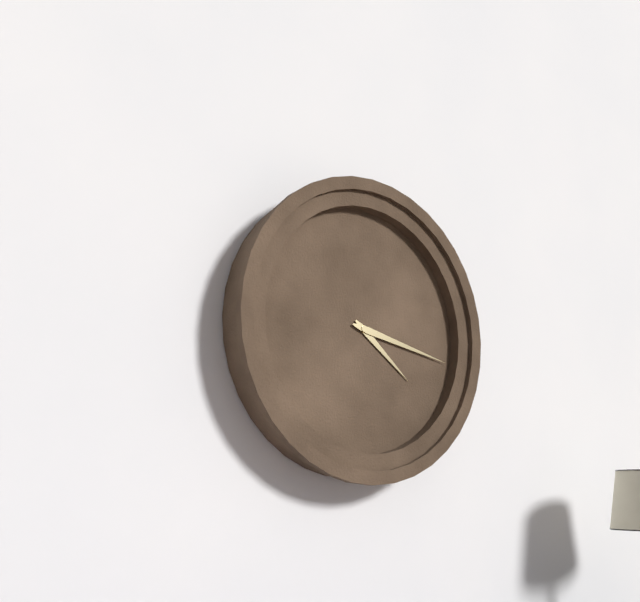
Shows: 4:17
